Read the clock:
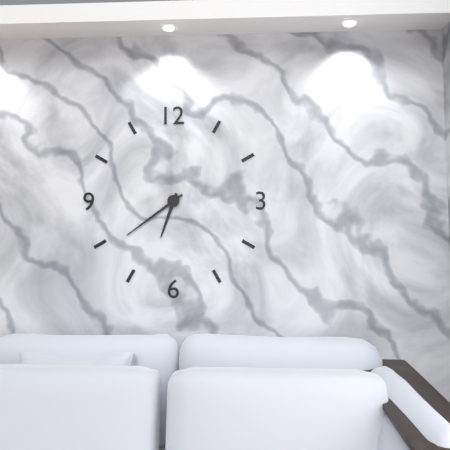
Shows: 6:39
